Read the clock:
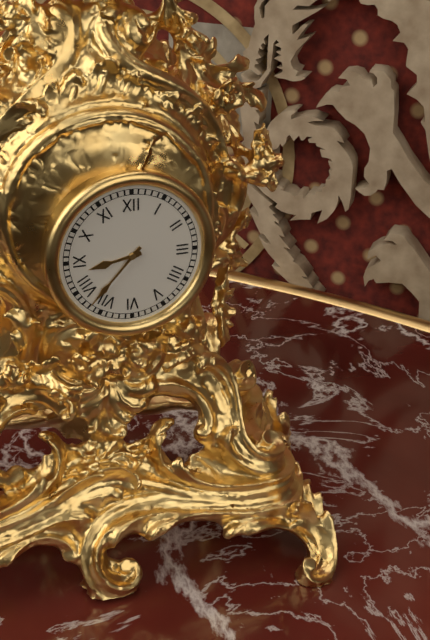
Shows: 8:37
